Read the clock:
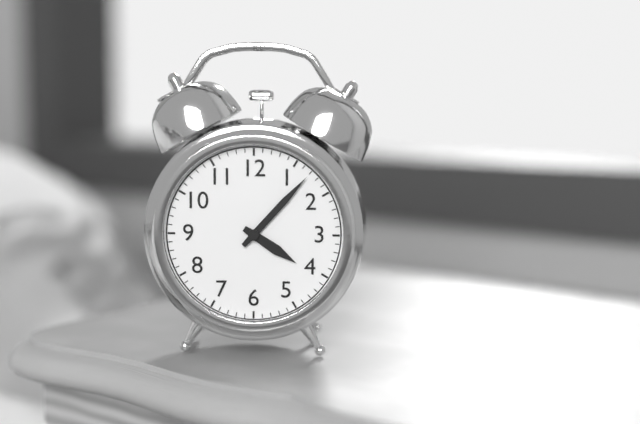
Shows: 4:07
